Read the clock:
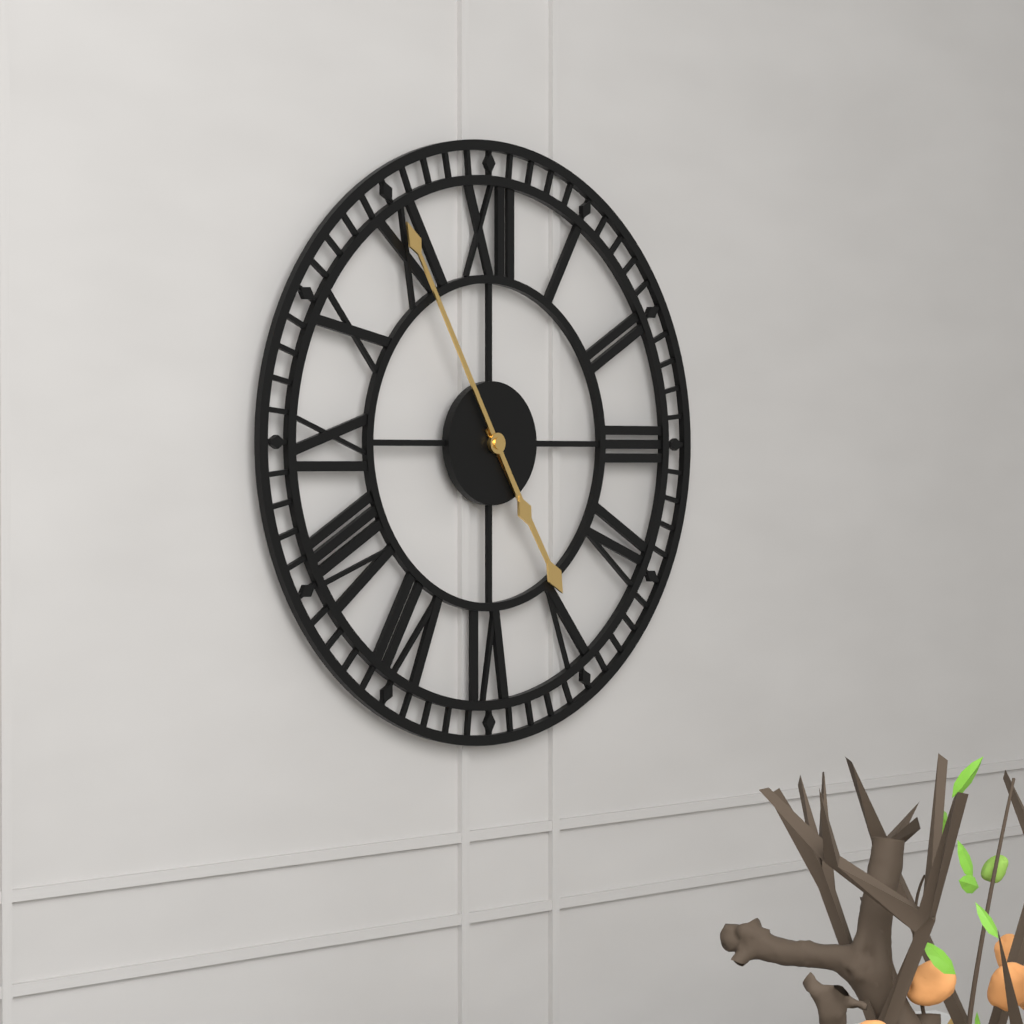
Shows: 4:55
